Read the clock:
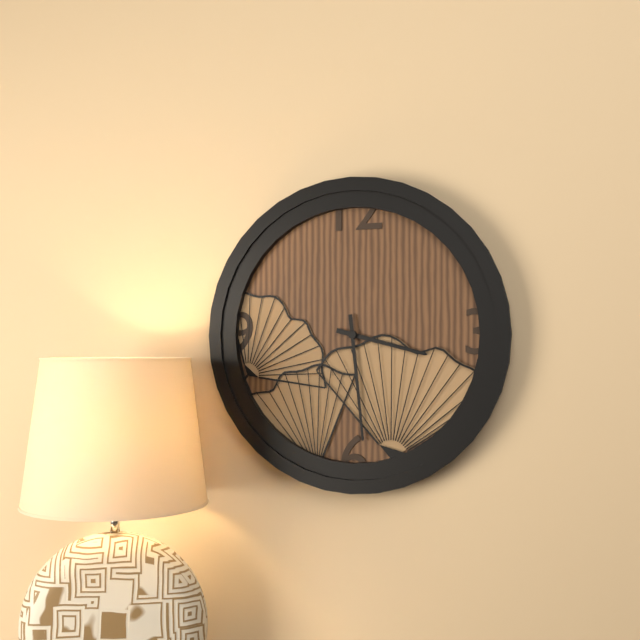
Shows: 3:29
